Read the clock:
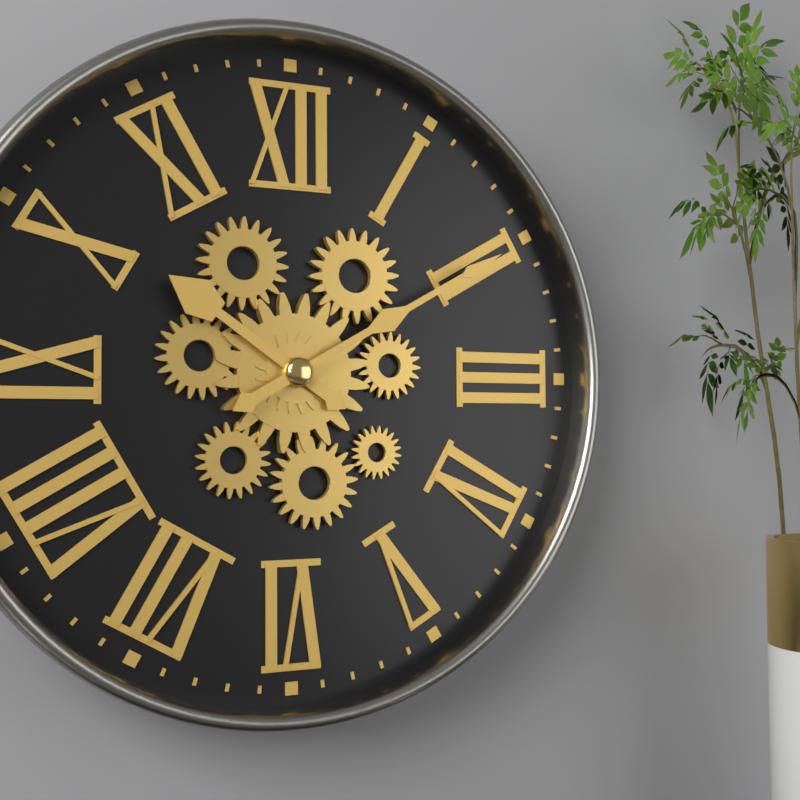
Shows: 10:10
